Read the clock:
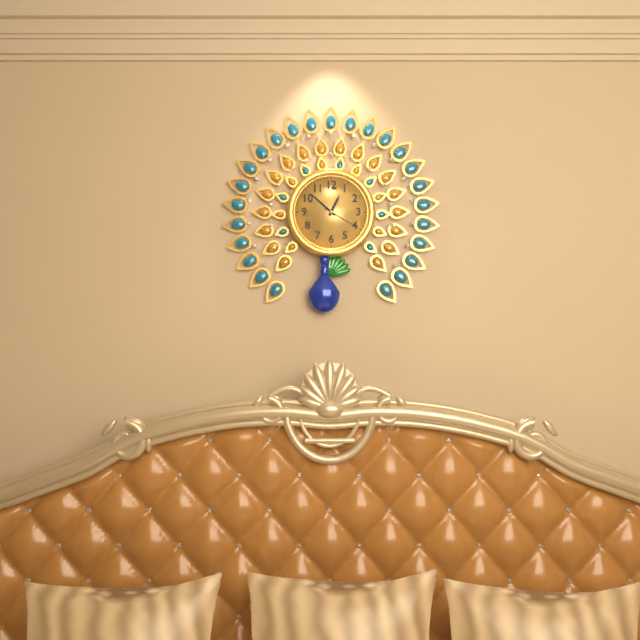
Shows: 12:52
